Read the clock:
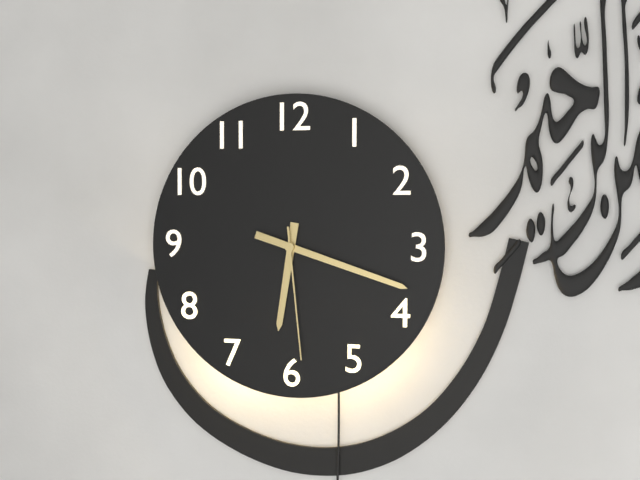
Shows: 6:18:29
